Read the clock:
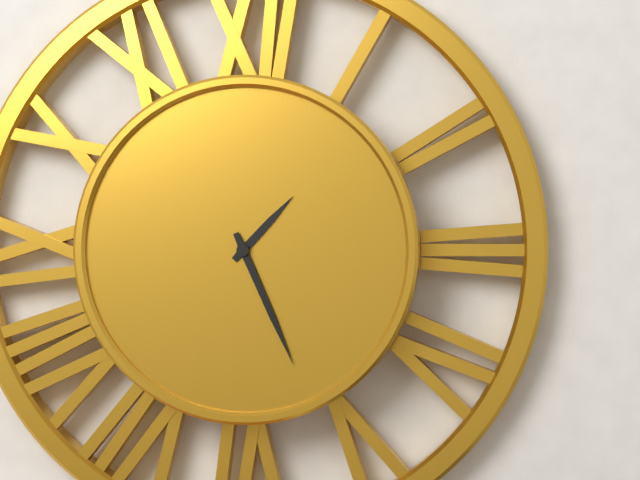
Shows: 1:26
